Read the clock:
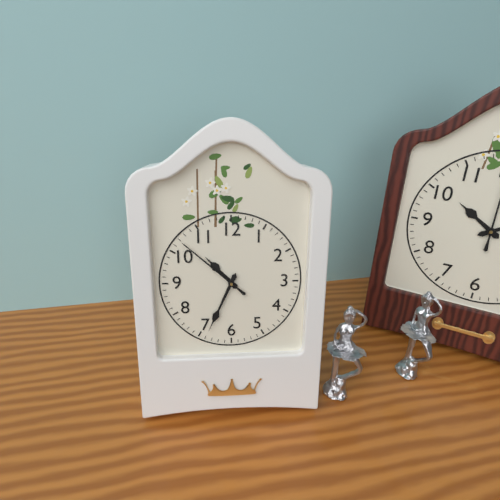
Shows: 10:34:52
